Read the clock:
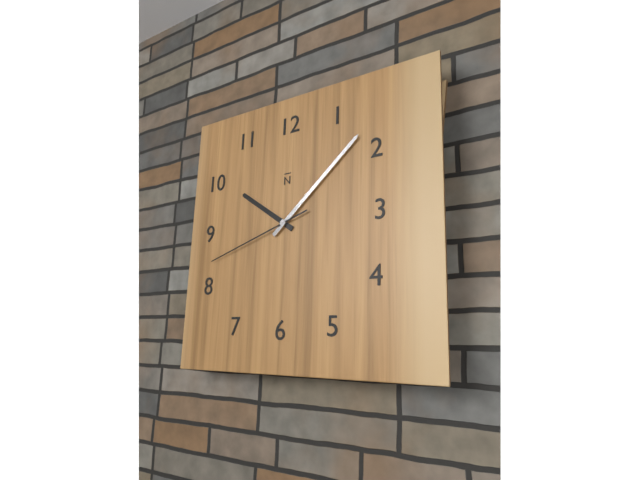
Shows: 10:08:42
